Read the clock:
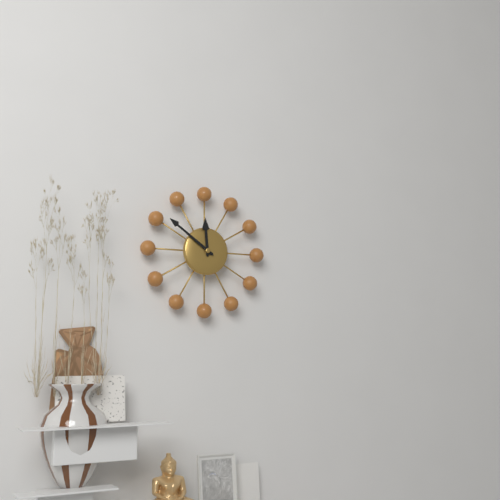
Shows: 11:51
